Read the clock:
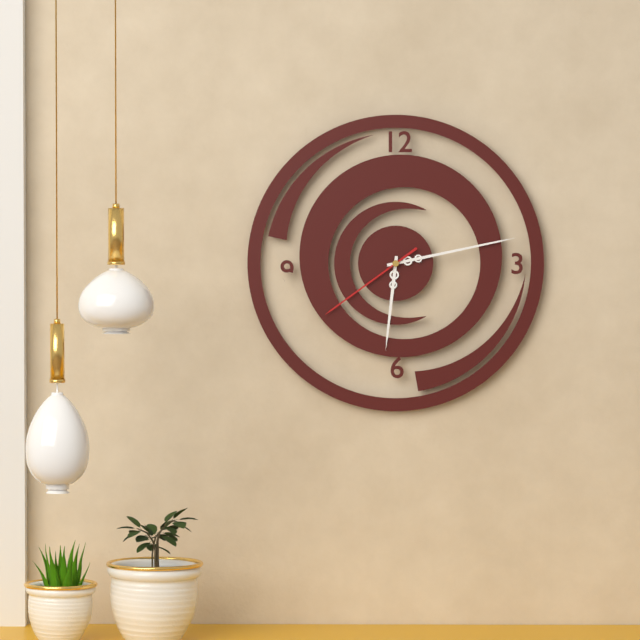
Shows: 6:13:39
